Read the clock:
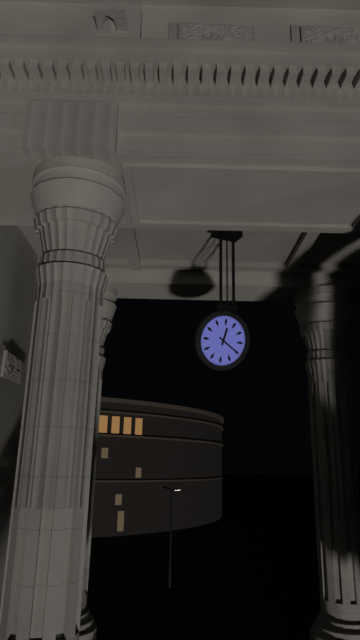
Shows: 12:20
